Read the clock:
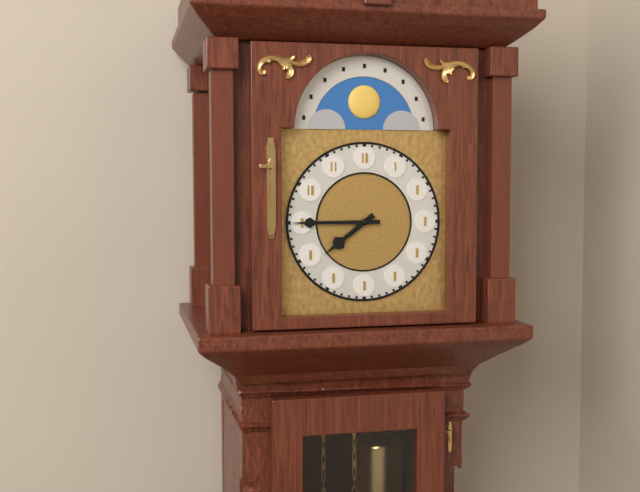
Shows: 7:45
